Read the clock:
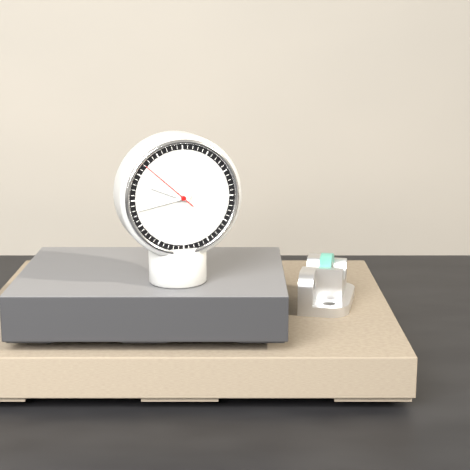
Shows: 9:43:52
